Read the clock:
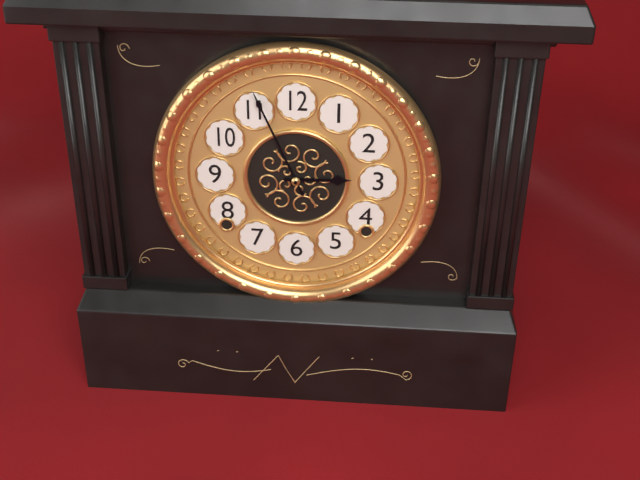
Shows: 2:56
